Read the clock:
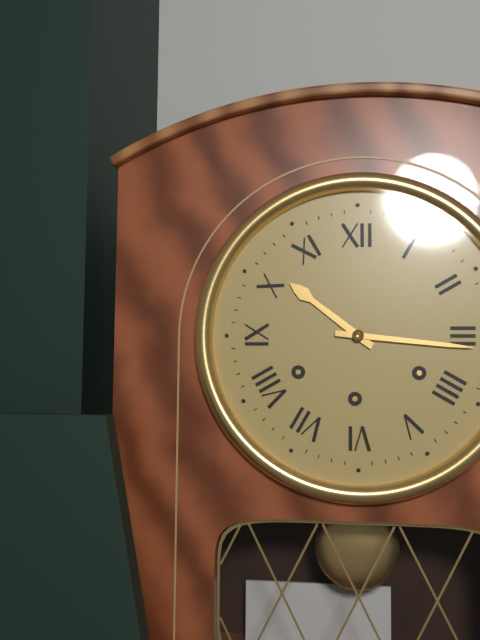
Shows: 10:16
